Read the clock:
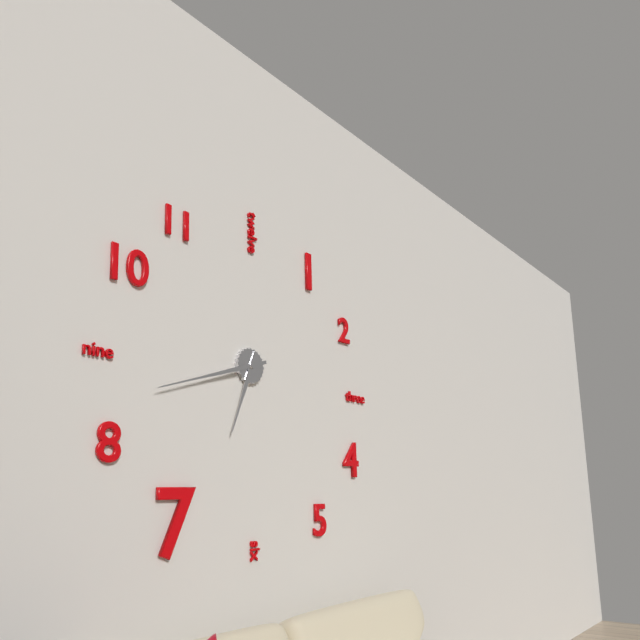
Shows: 6:42
